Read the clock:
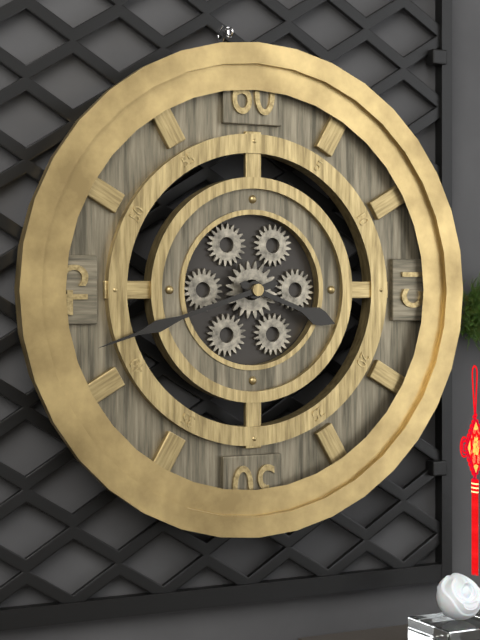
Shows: 3:42
